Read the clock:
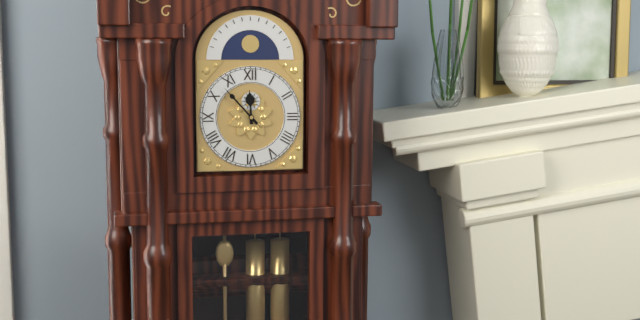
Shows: 11:53
